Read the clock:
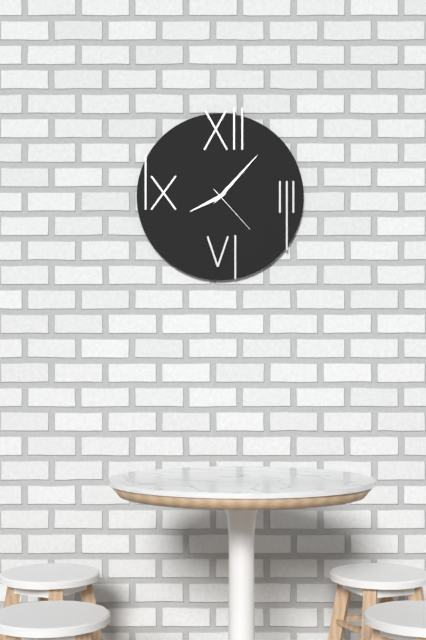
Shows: 8:07:23
